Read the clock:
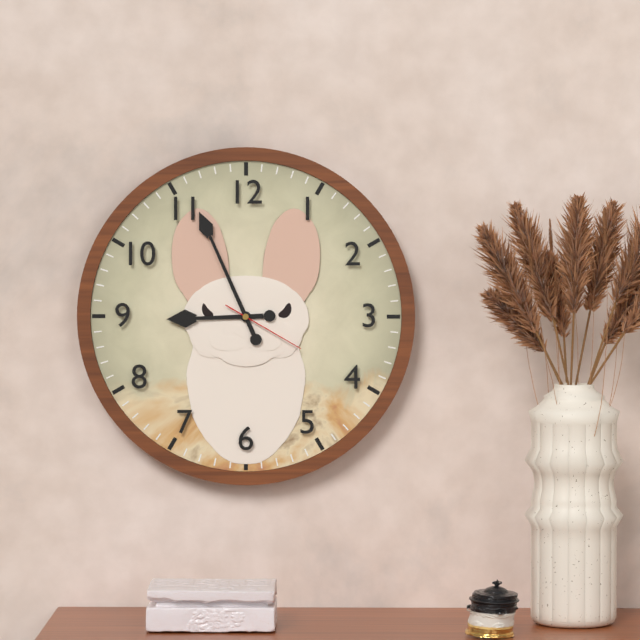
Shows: 8:56:20
